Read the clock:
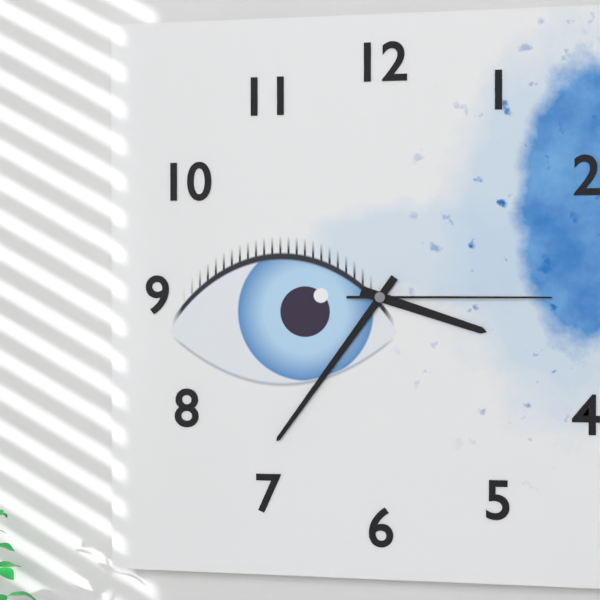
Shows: 3:36:15
